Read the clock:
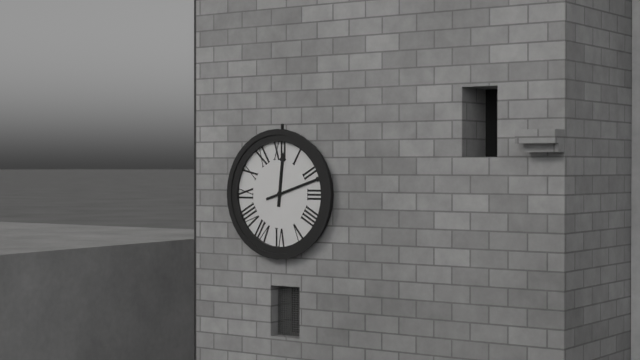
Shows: 12:12
